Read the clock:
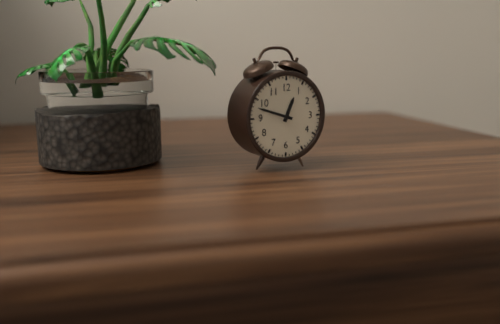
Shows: 12:48
